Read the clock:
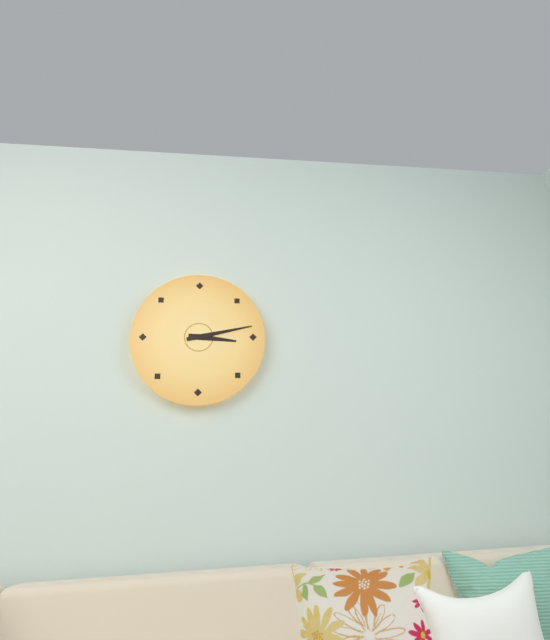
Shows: 3:13
